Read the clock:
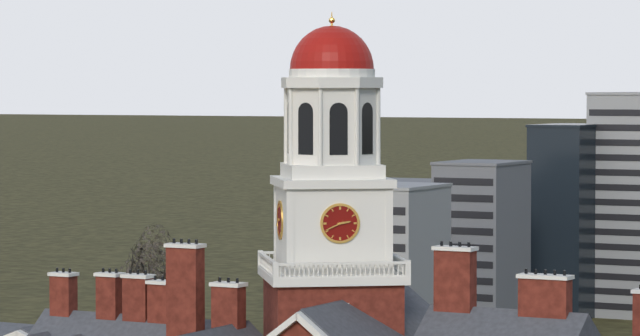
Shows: 2:41
